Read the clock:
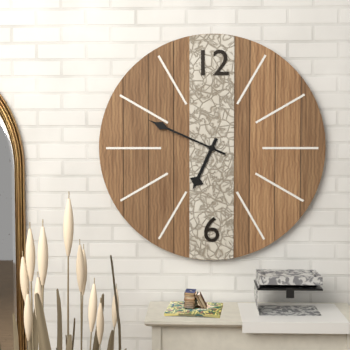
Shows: 6:49
